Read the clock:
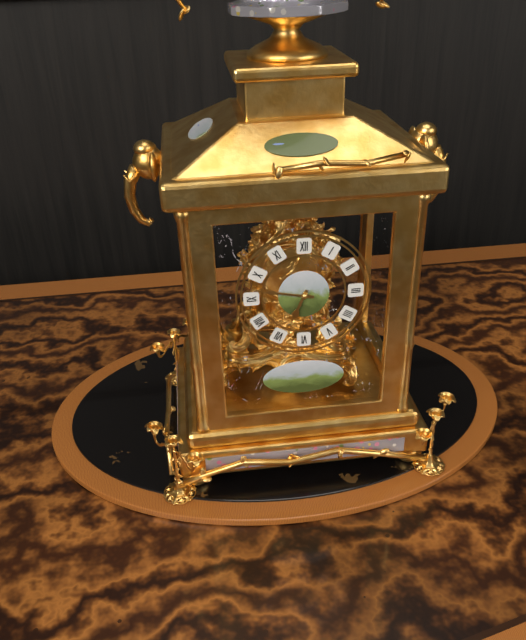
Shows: 6:47
